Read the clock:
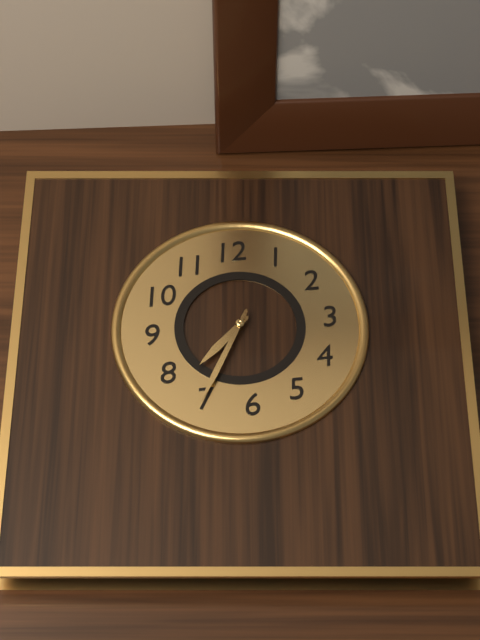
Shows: 7:35
